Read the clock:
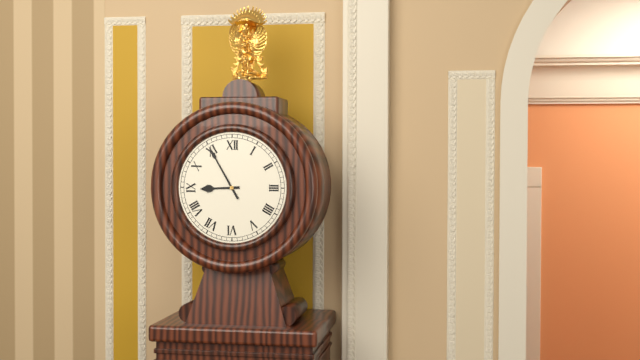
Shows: 8:55
